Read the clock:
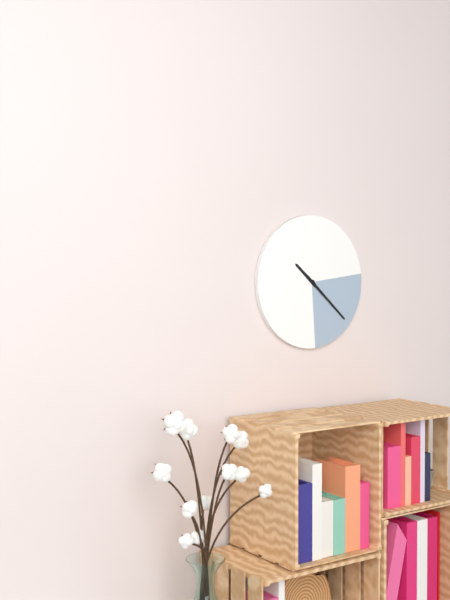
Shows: 10:22
